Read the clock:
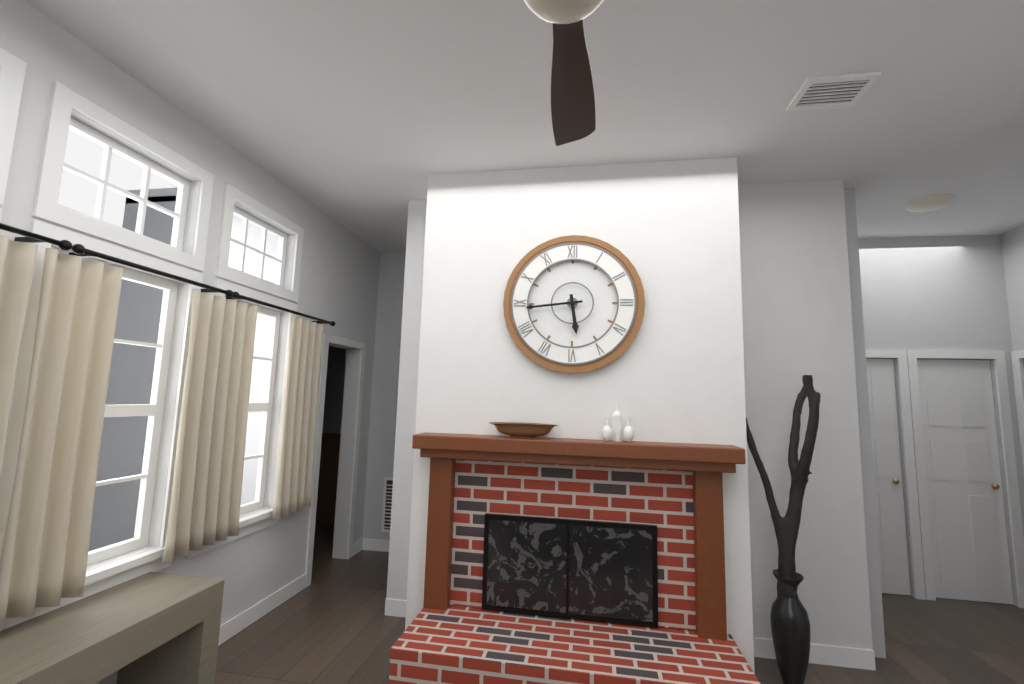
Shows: 5:44
